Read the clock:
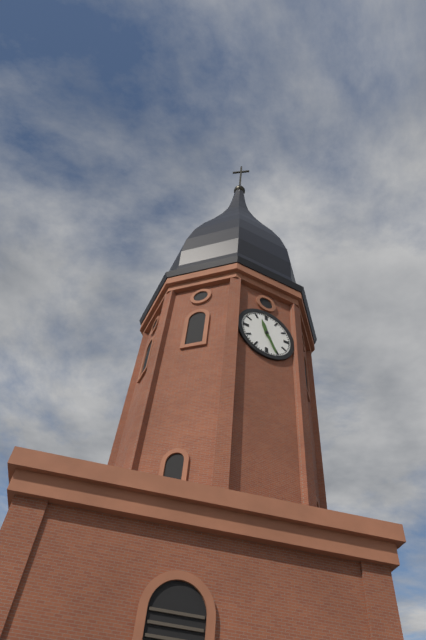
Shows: 11:26
